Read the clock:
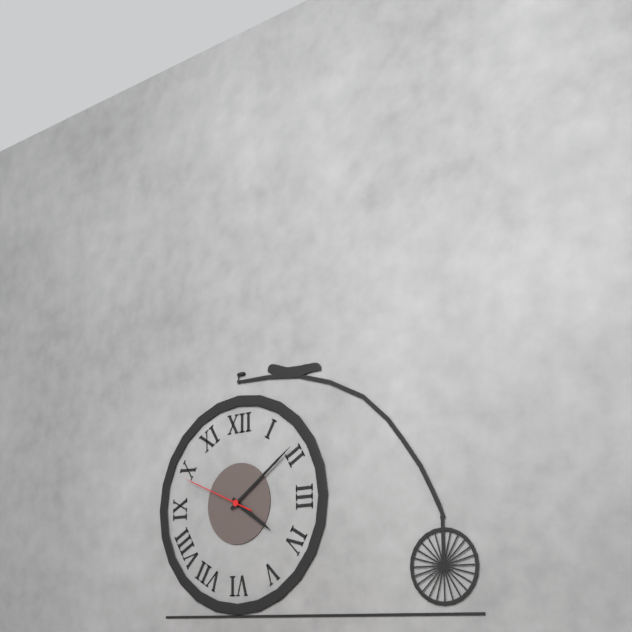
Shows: 4:09:49
